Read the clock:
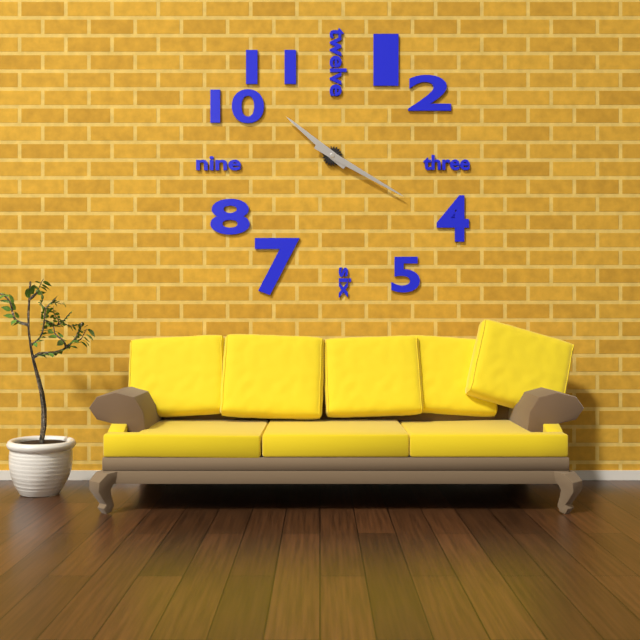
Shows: 10:20
